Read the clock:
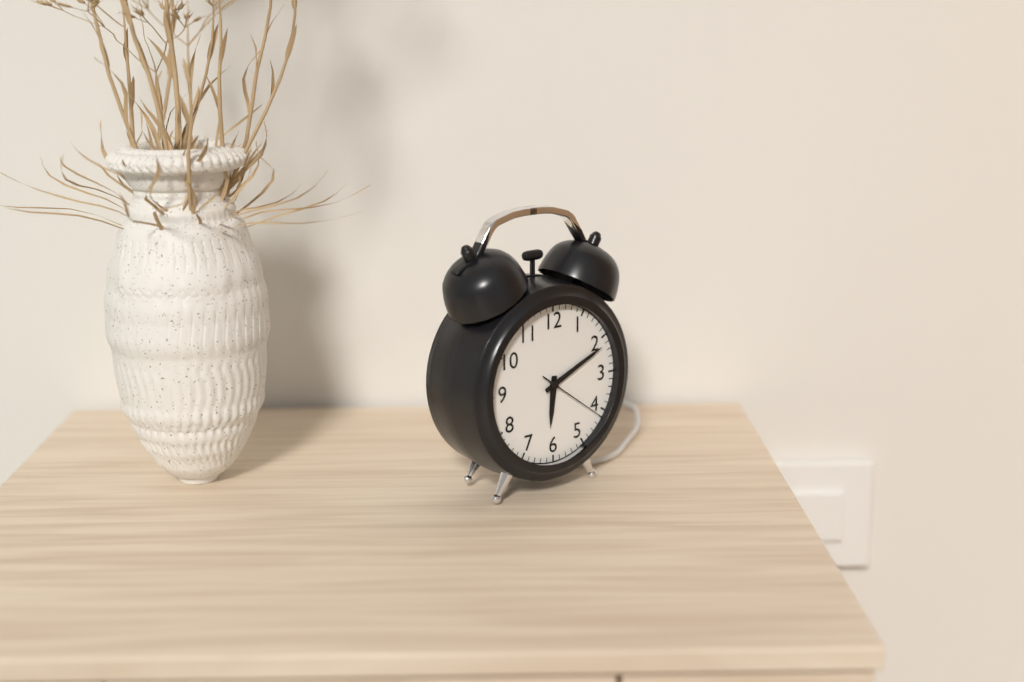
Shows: 6:11:21
